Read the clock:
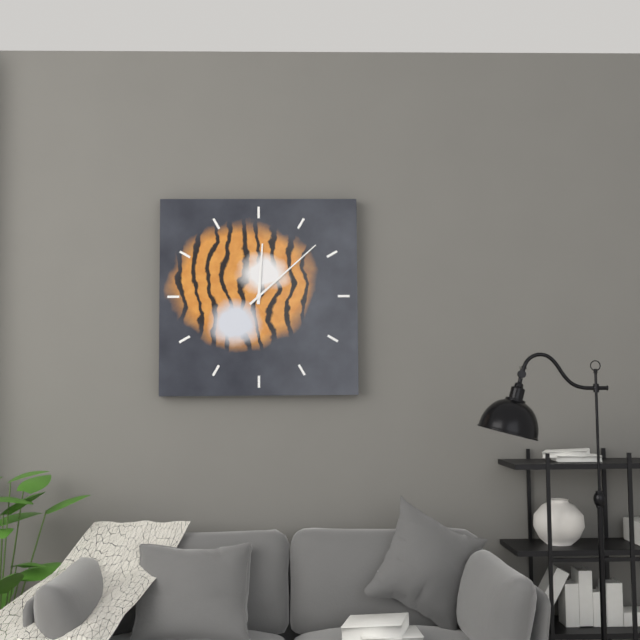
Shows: 12:08
